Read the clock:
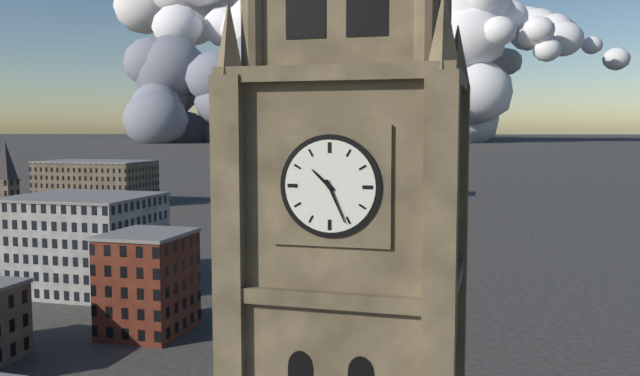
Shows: 10:26
